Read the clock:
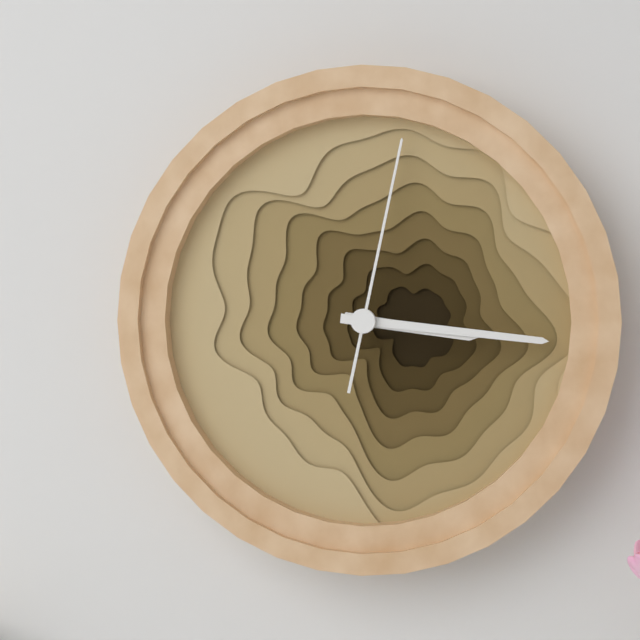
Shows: 3:16:02
